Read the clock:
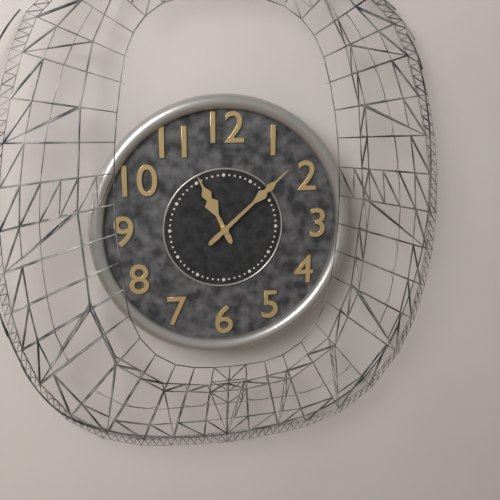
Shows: 11:08
